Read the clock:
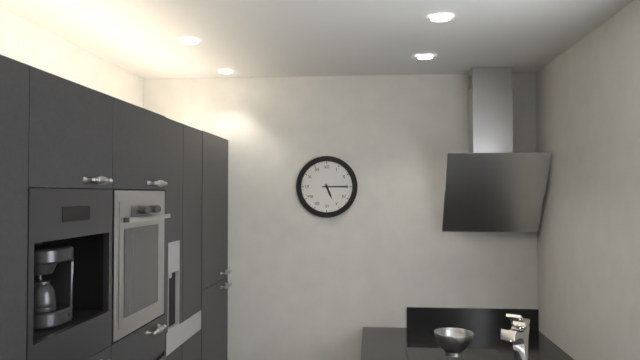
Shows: 5:15
